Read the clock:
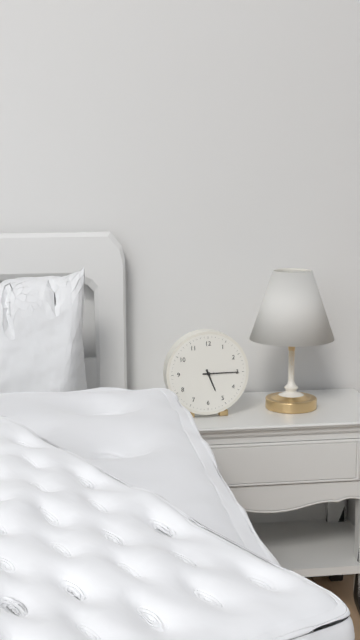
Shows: 5:15
